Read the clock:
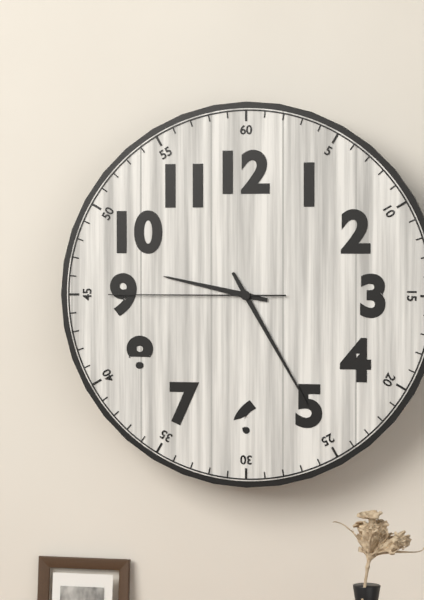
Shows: 9:25:45
